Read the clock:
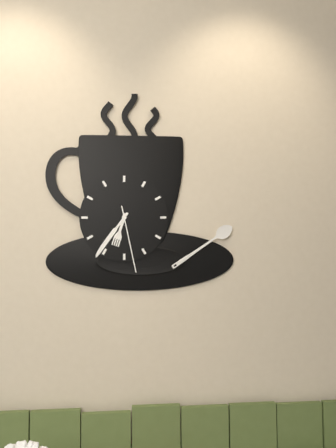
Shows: 6:36:28
